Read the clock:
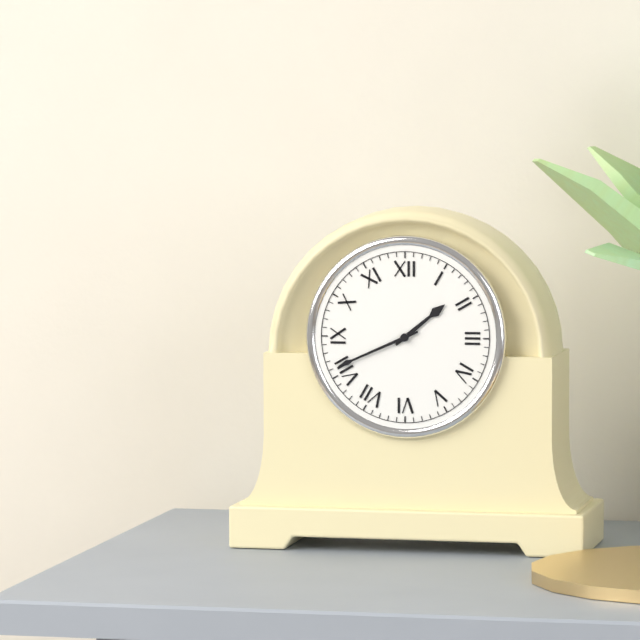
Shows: 1:41
